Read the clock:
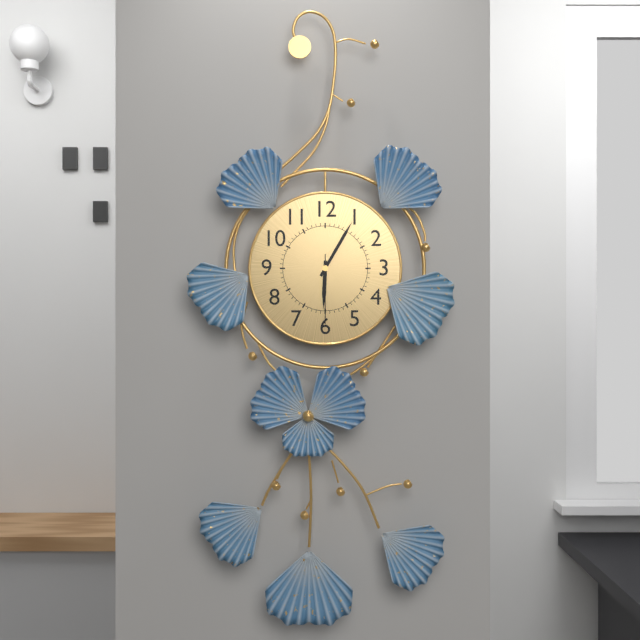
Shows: 6:05:30
